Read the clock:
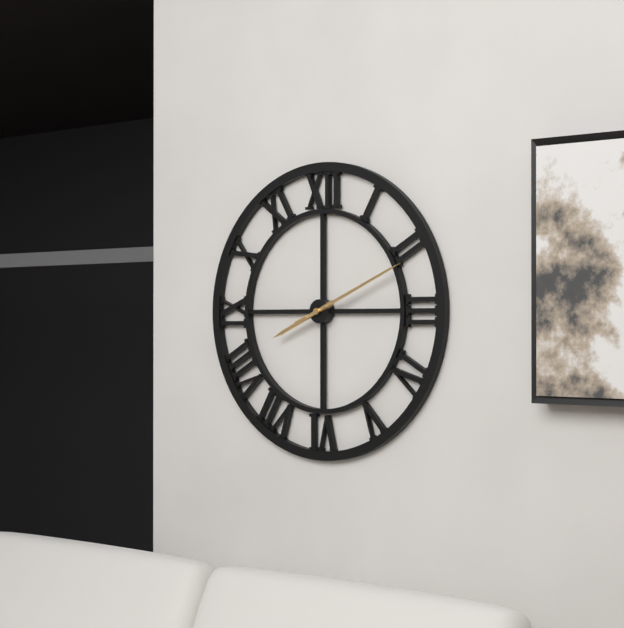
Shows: 8:11
